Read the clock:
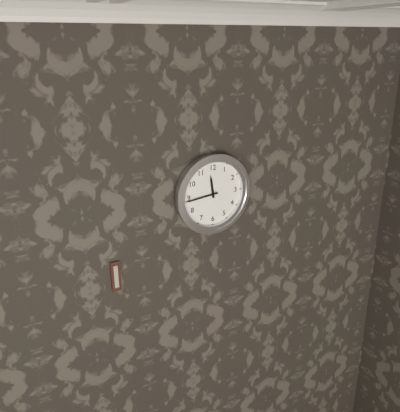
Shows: 11:44
